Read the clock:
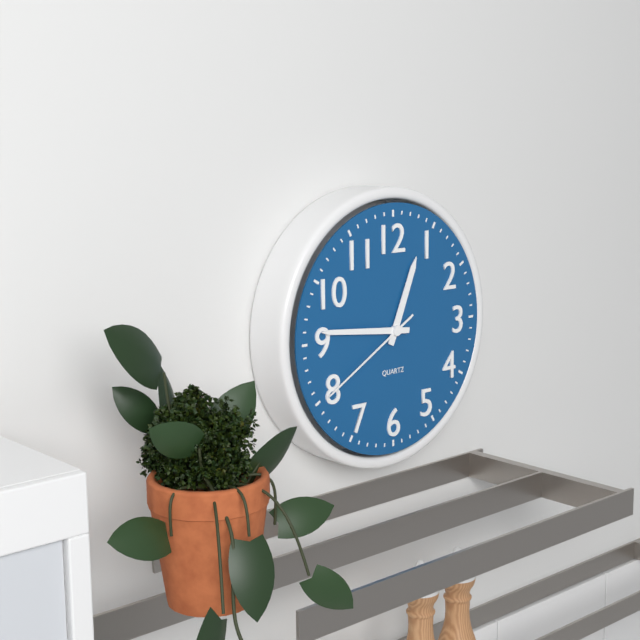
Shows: 12:46:40
